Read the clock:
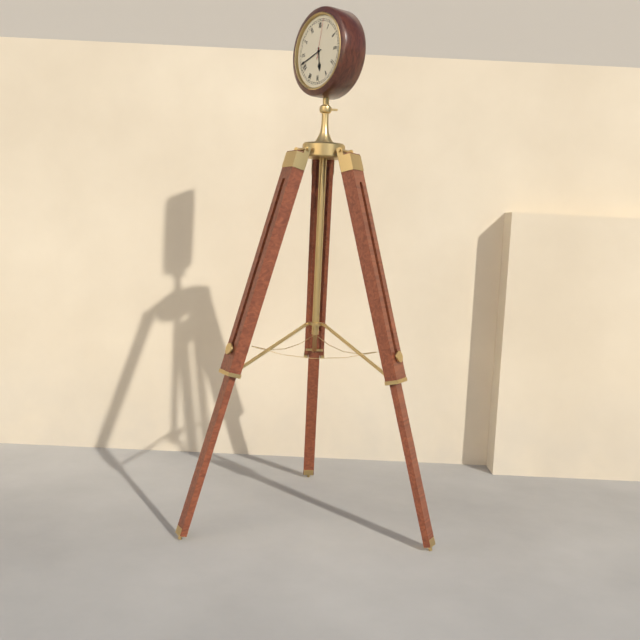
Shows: 5:42
